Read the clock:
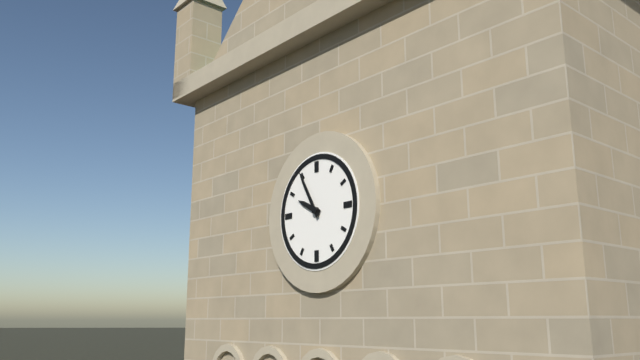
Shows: 9:55
